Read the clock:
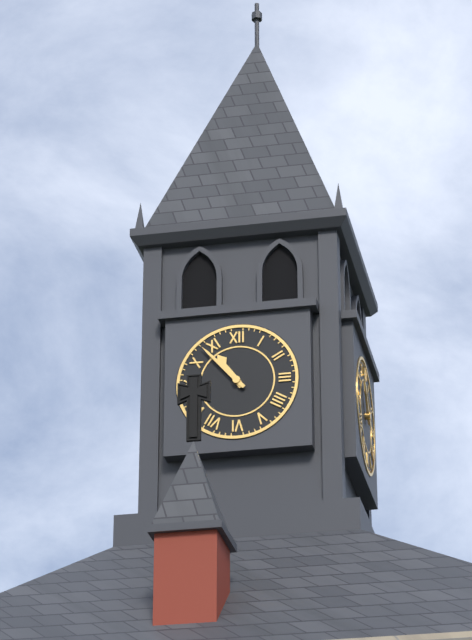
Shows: 10:53
